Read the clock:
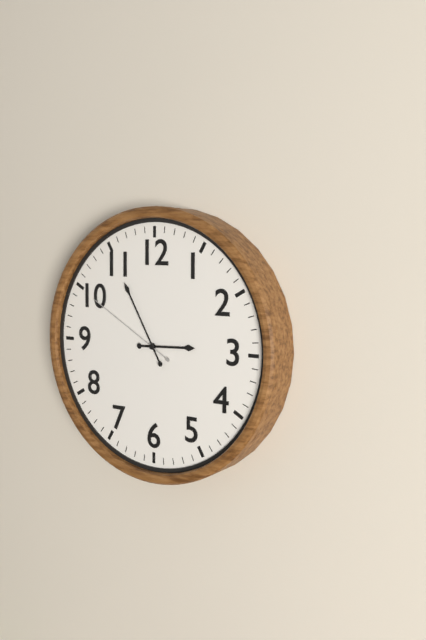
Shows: 2:55:50
